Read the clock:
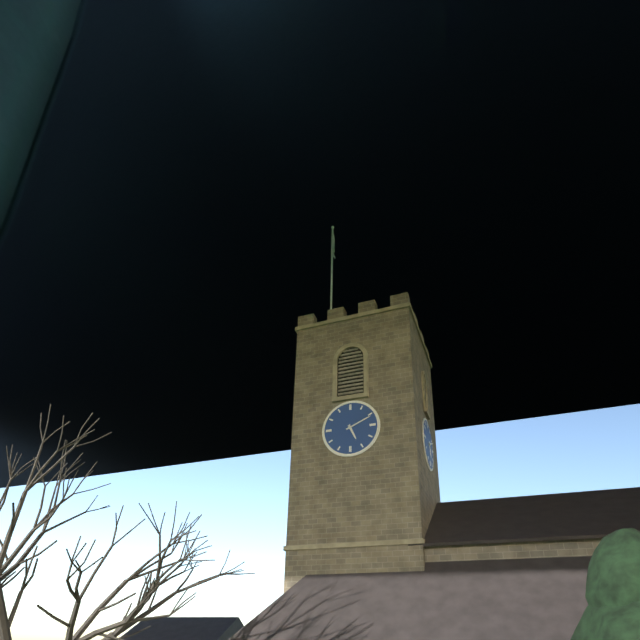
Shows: 5:11
